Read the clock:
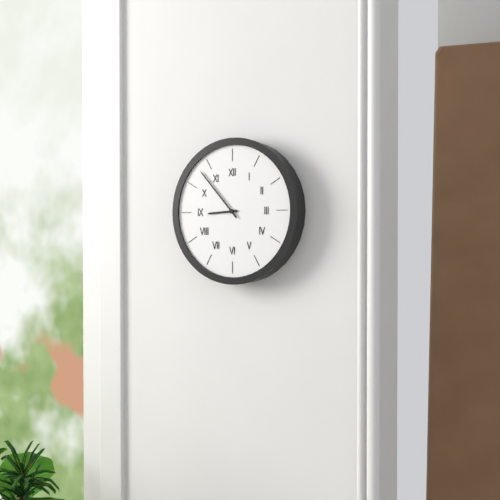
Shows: 8:53
